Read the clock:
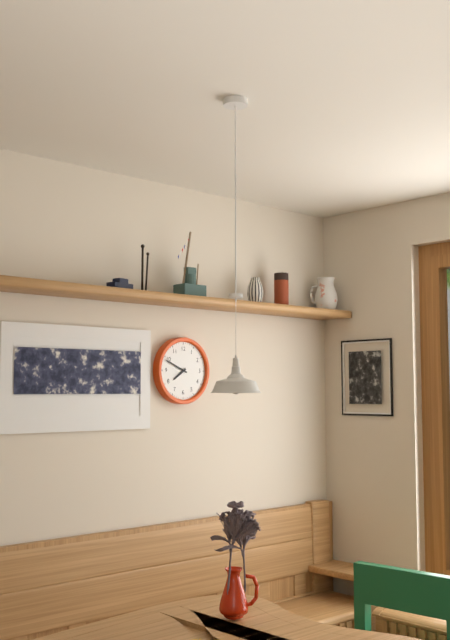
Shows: 7:49
